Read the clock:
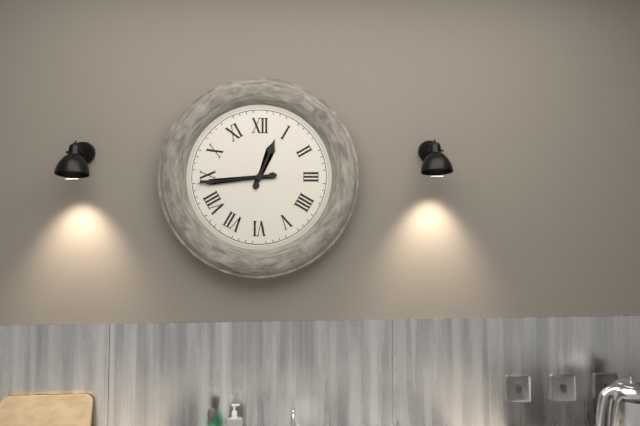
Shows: 12:44
